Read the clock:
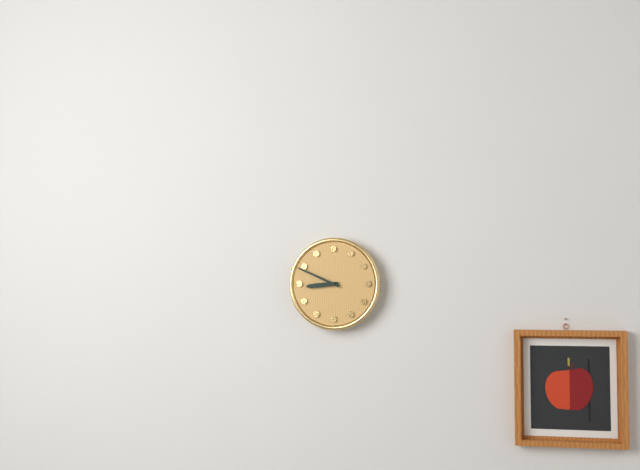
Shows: 8:49
